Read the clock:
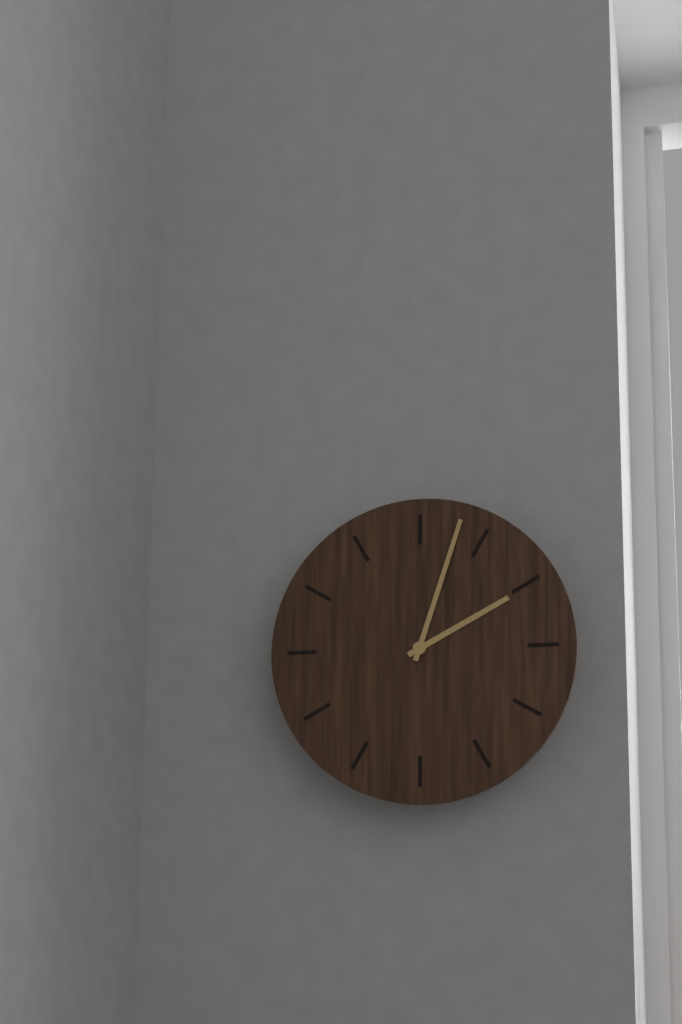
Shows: 2:03
